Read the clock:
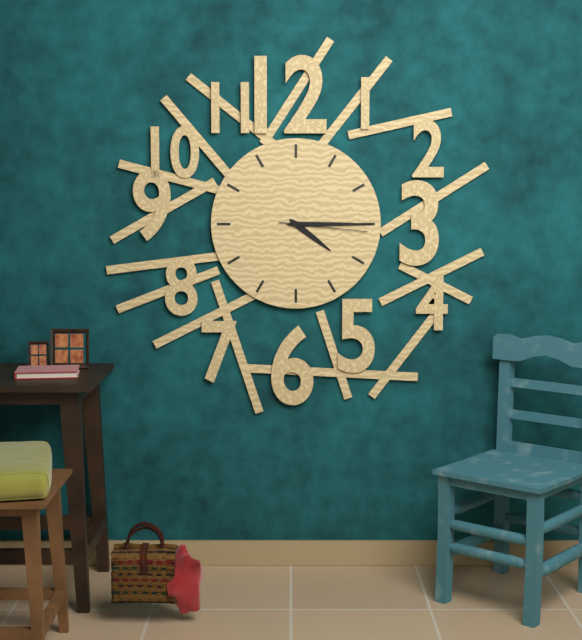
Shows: 4:15:16
